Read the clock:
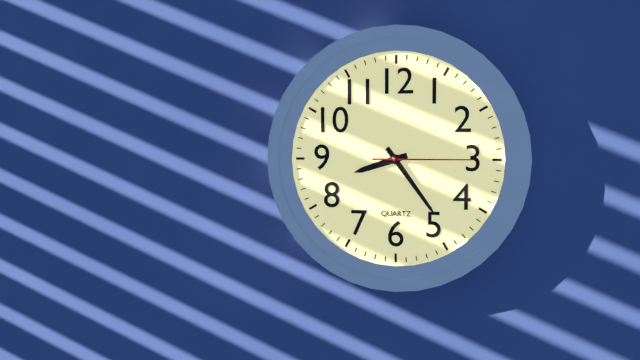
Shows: 8:24:15
